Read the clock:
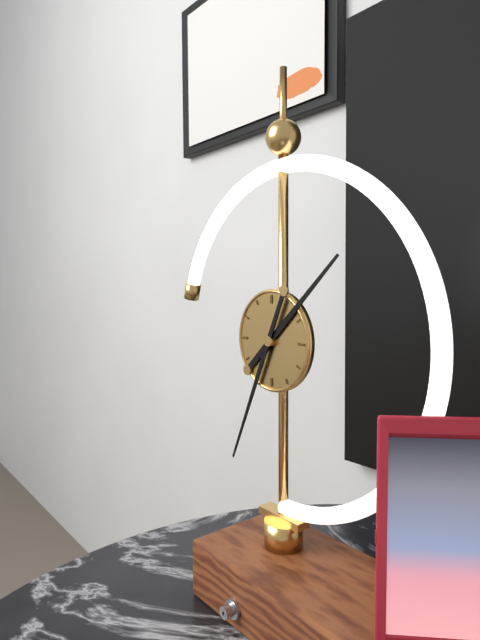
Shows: 1:34
